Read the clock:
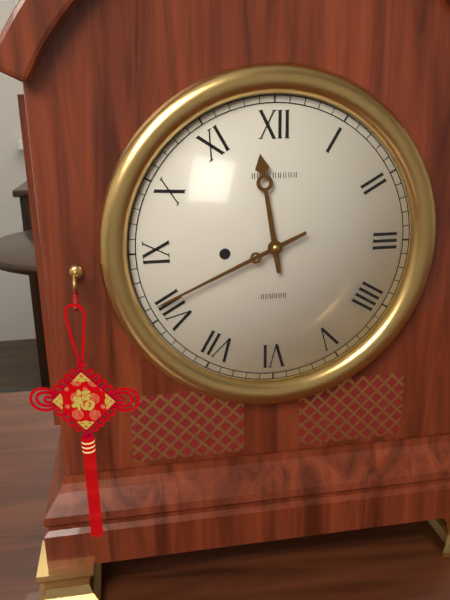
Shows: 11:41
